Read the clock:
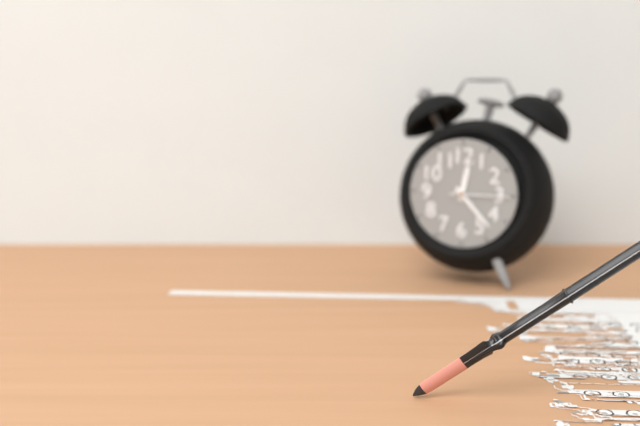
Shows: 12:23:15
